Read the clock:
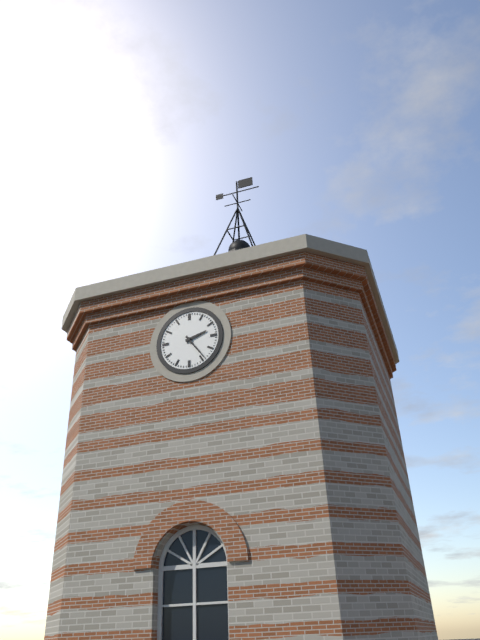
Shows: 2:24
